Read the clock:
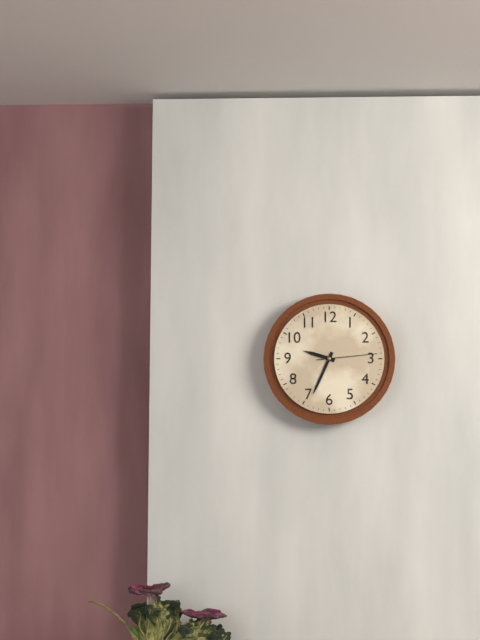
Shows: 9:34:14
